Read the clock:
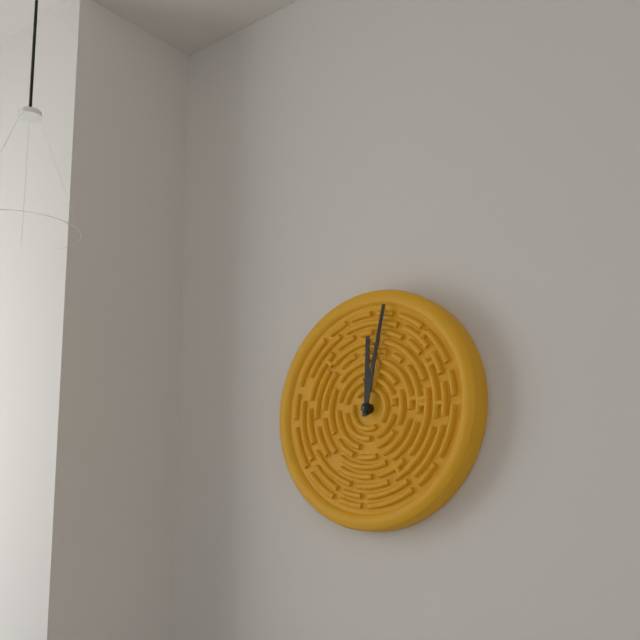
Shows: 12:02
